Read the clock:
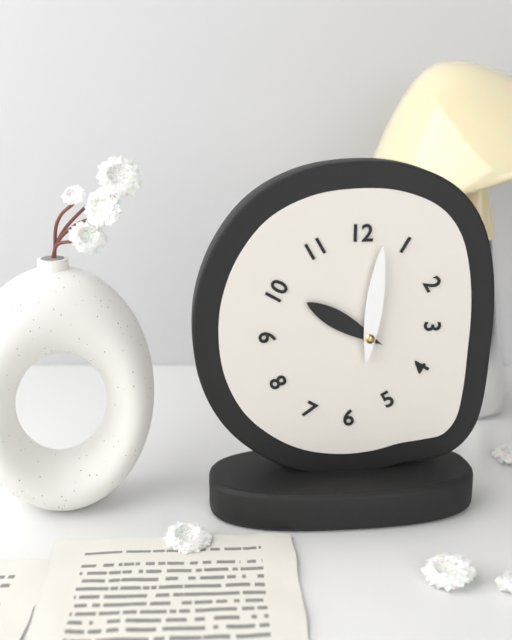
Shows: 10:01
